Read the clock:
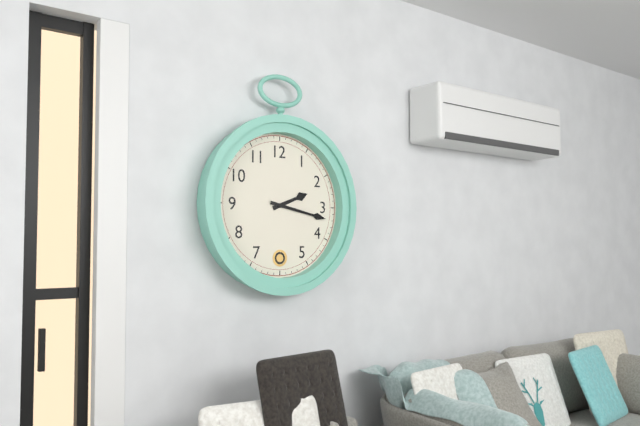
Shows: 2:17
